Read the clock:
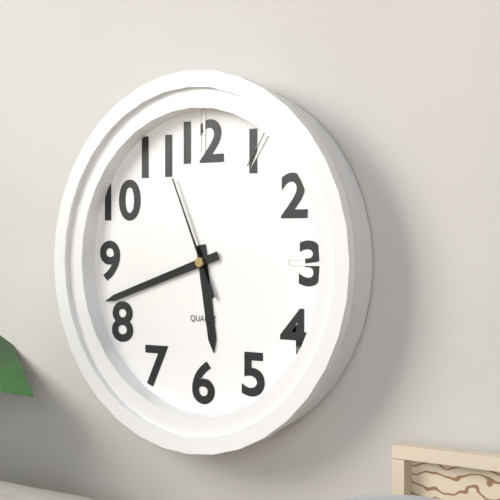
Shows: 5:42:56
